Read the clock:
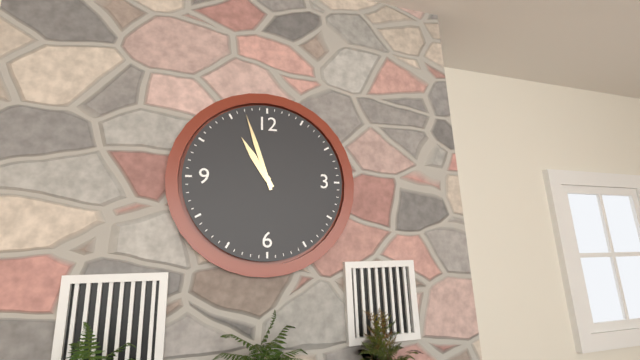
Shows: 10:57
